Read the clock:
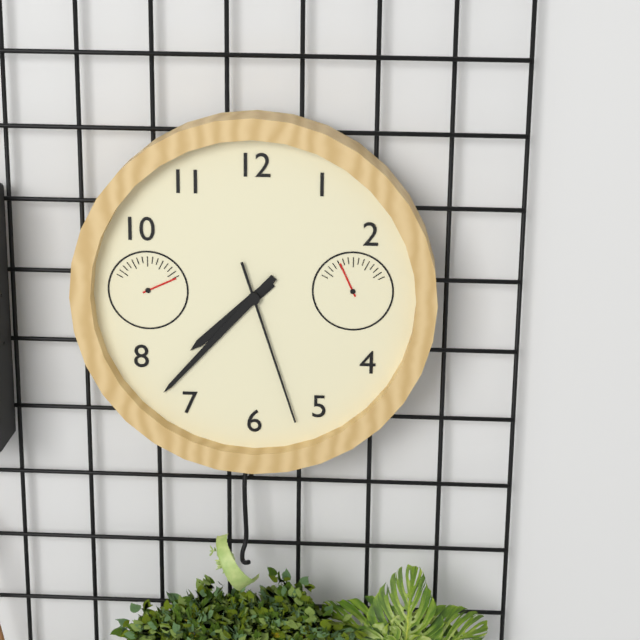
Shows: 7:37:27
